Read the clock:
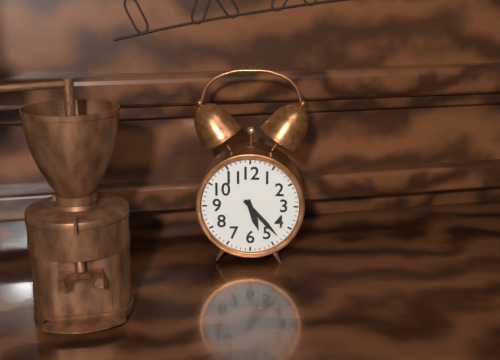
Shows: 5:23
